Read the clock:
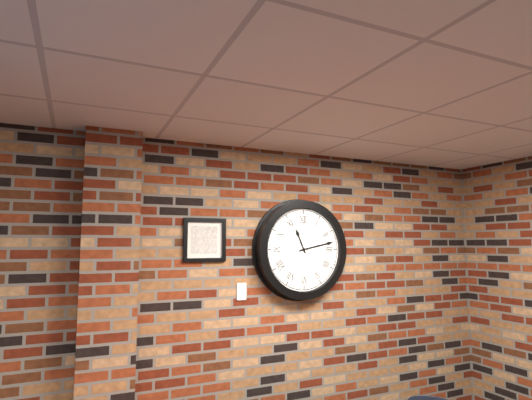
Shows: 11:13
